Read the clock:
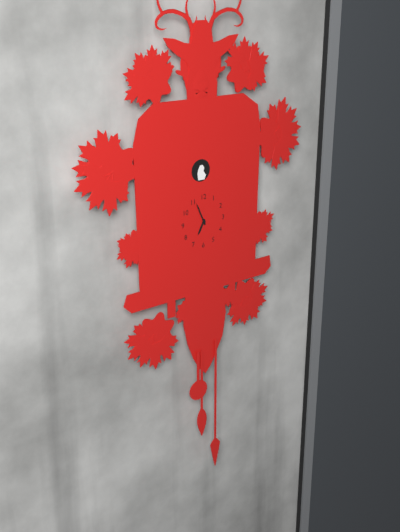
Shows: 6:56
